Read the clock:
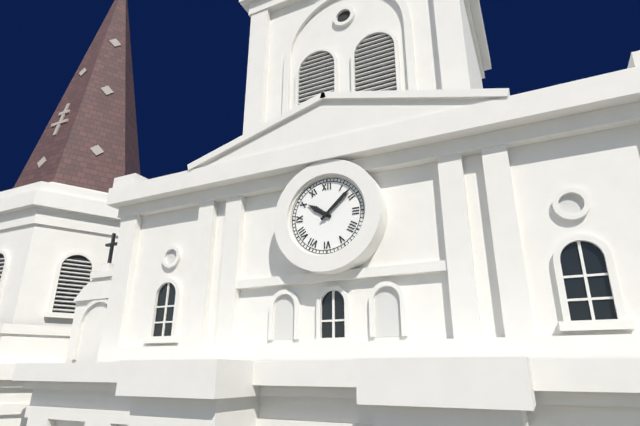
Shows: 10:08
